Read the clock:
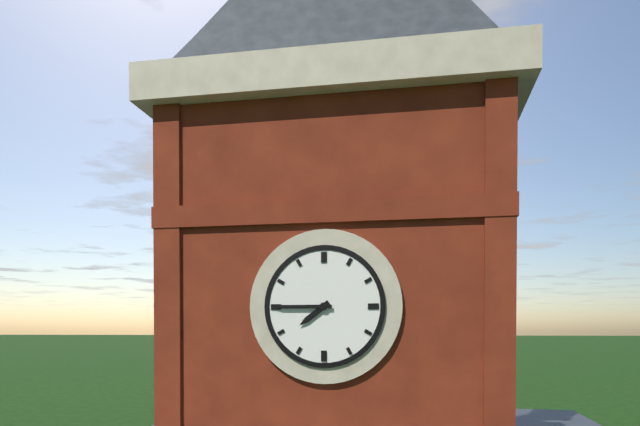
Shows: 7:45
